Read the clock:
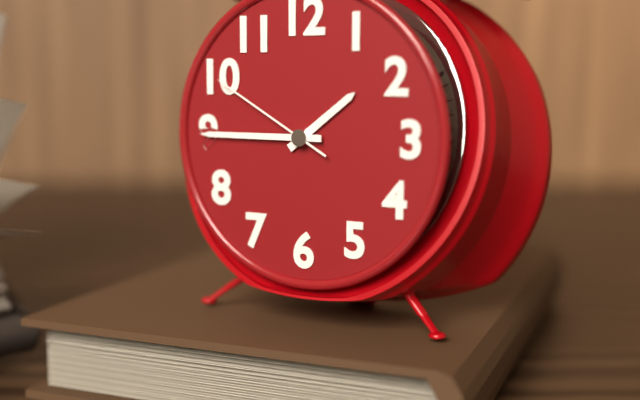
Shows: 1:45:50
